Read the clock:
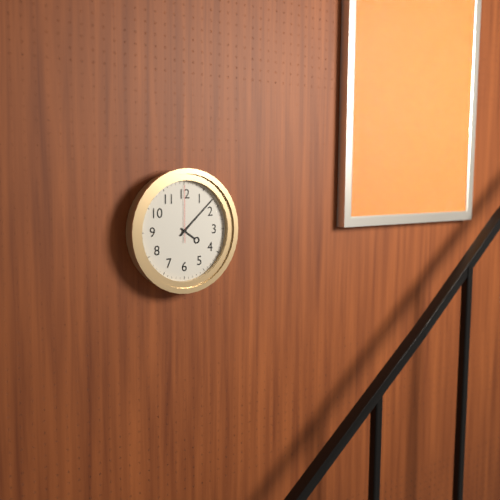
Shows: 4:08:00
